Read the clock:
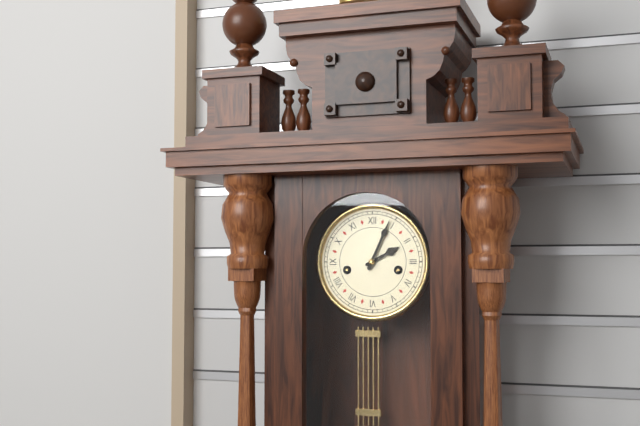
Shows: 2:04
